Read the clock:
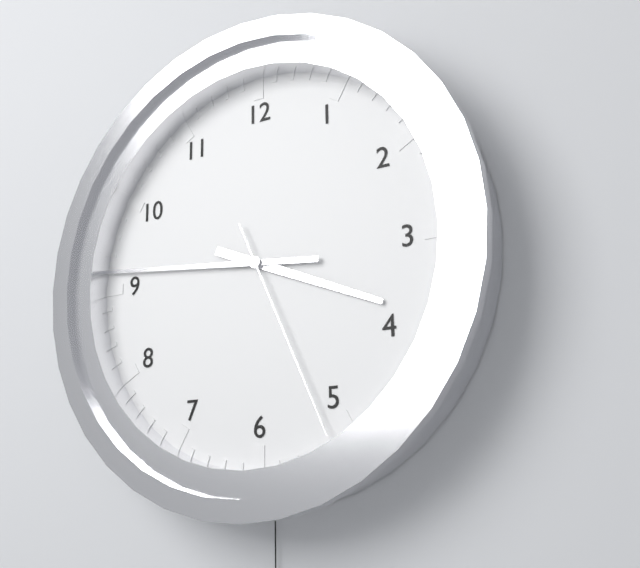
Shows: 3:46:26
